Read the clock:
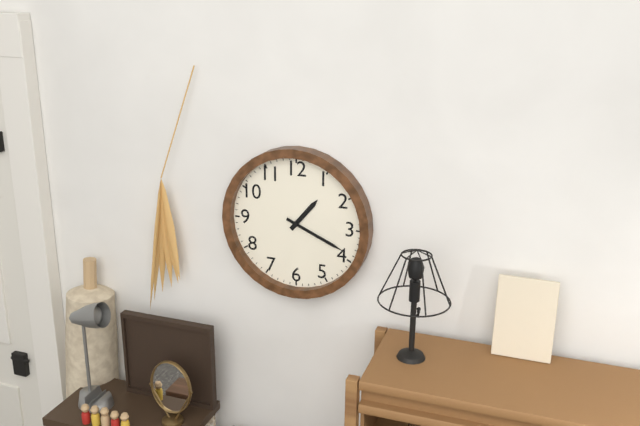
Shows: 1:19
